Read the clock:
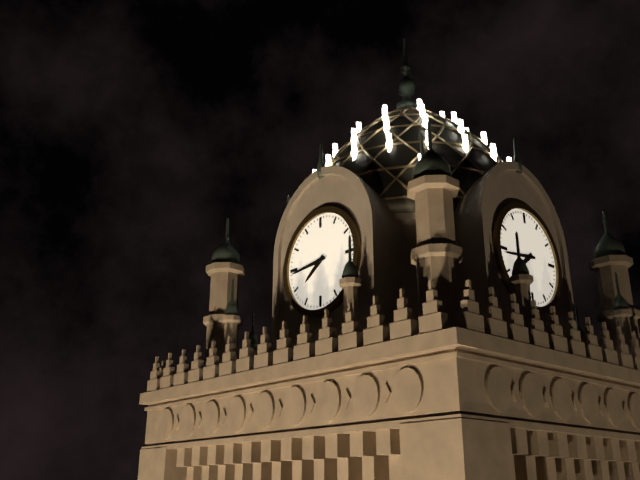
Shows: 7:44
